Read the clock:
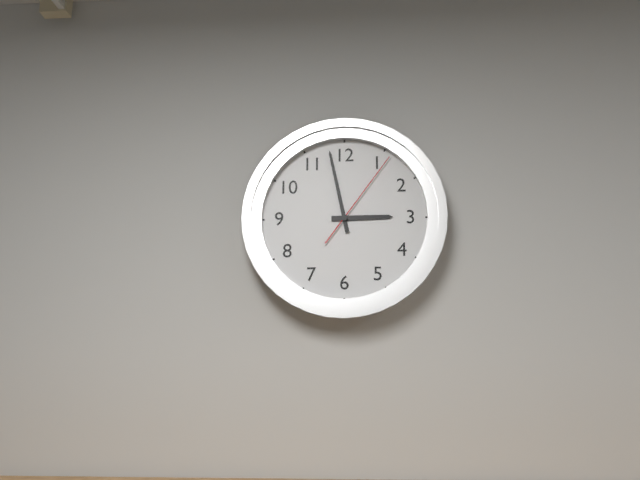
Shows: 2:58:06
